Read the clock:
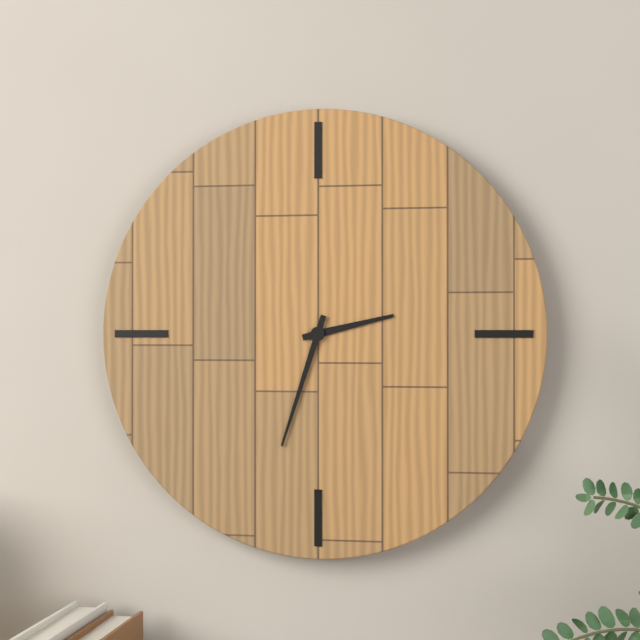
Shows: 2:33
